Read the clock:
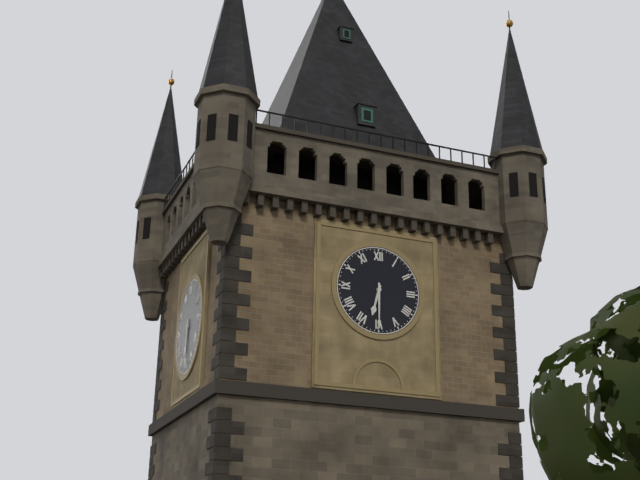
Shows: 6:30
